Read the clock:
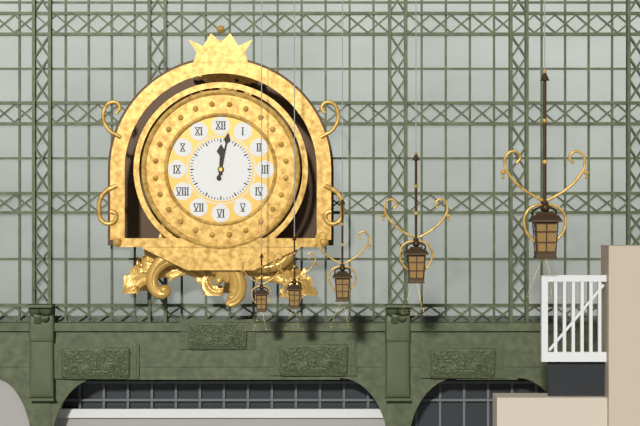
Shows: 12:02
